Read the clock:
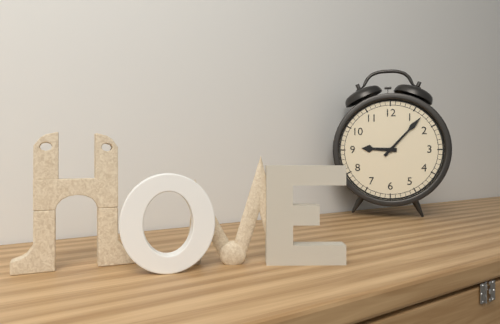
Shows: 9:07
